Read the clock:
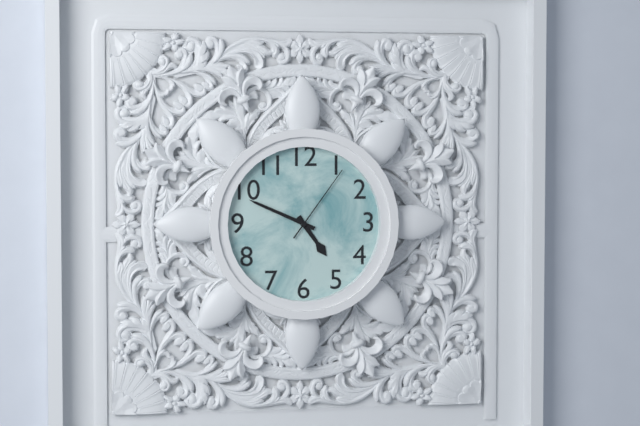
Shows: 4:49:06
